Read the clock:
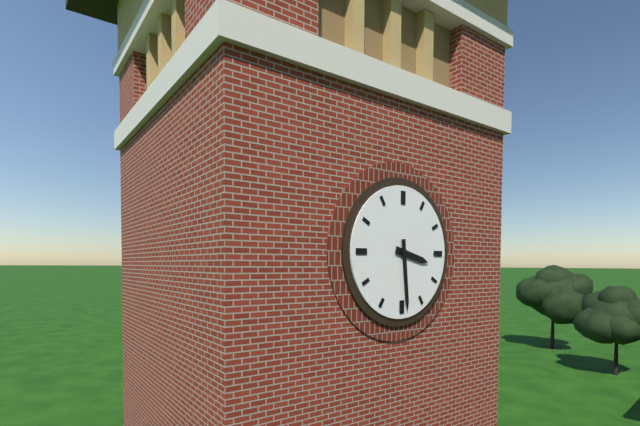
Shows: 3:29
